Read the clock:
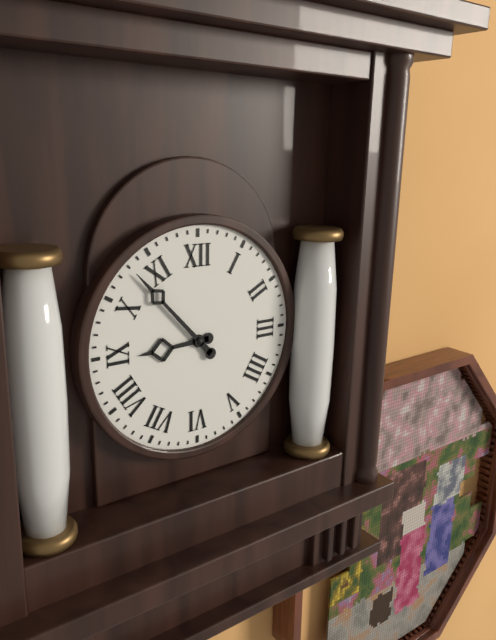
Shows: 8:53
